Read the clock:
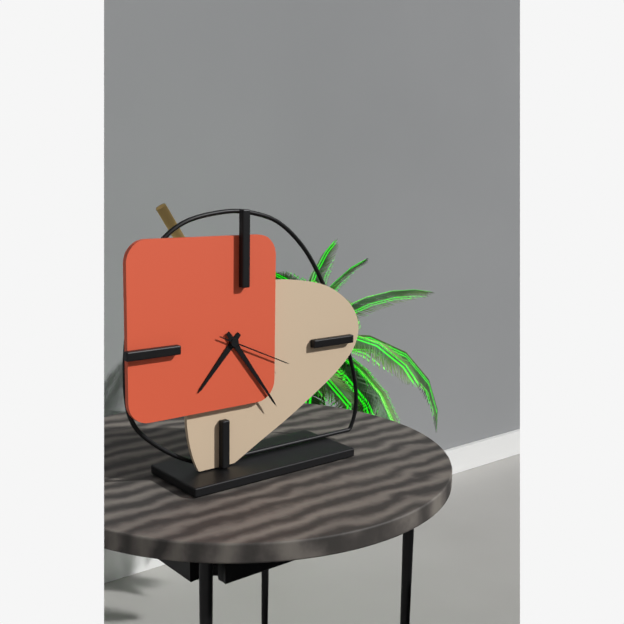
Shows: 7:24:19
